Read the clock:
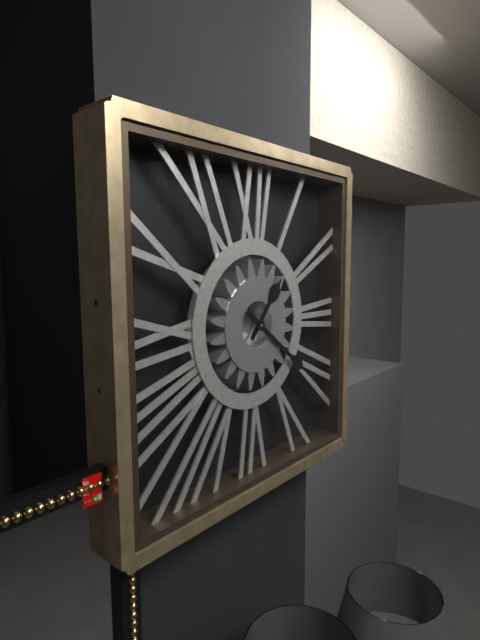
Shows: 1:21
